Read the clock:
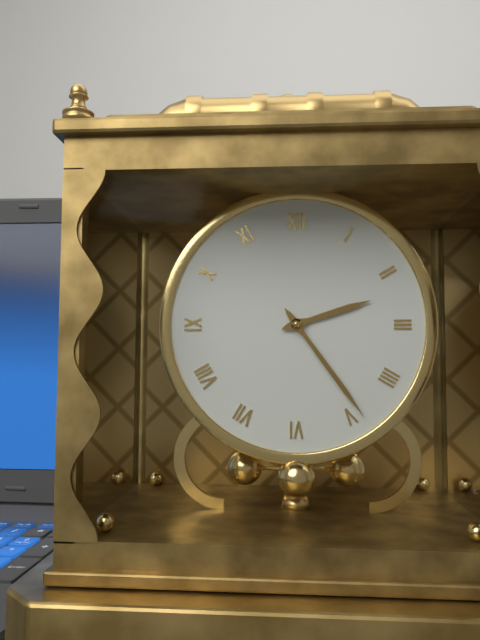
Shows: 2:24
